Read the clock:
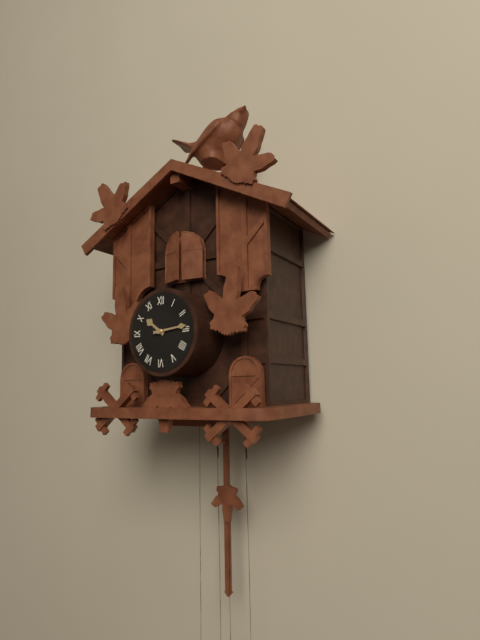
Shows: 10:14
